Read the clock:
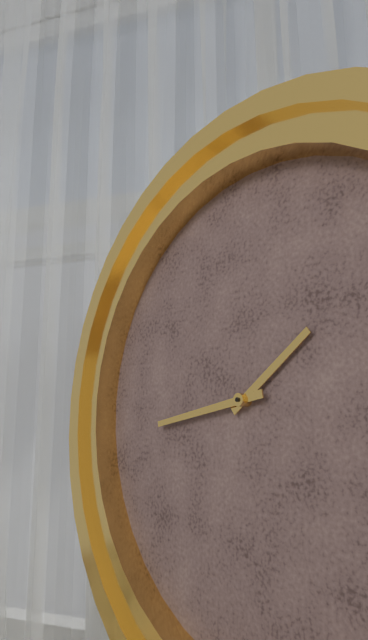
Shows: 1:43
